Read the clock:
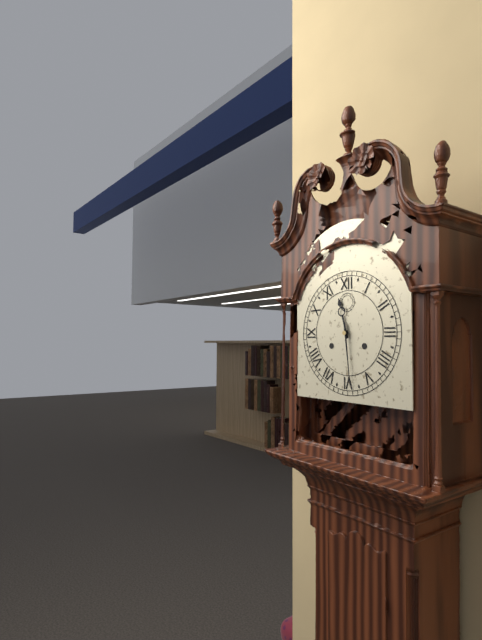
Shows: 11:29
